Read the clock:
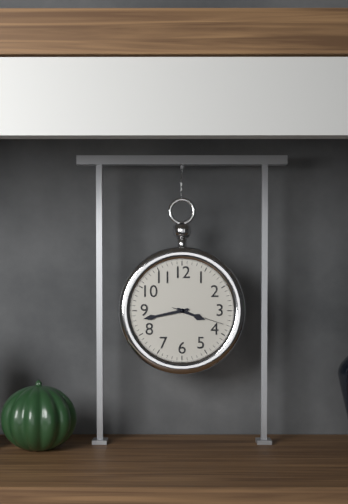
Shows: 3:43:18
